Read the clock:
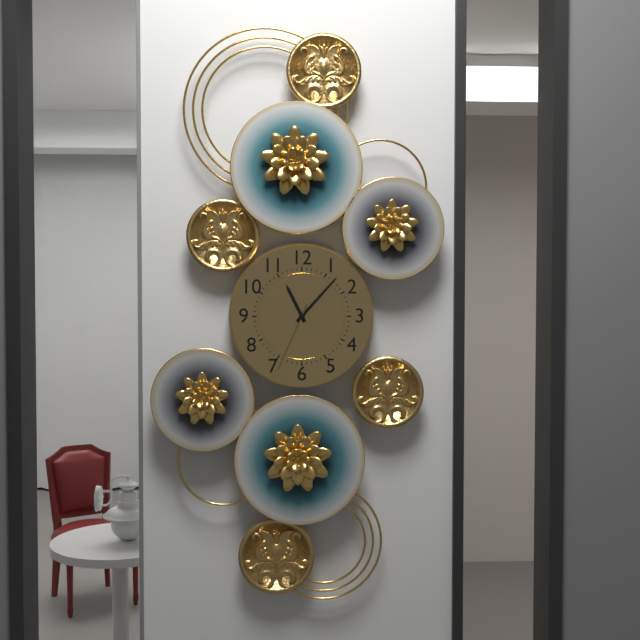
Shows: 11:07:34
